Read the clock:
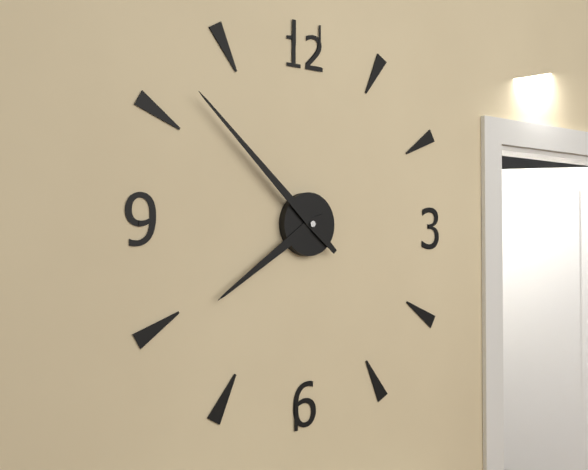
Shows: 7:52
